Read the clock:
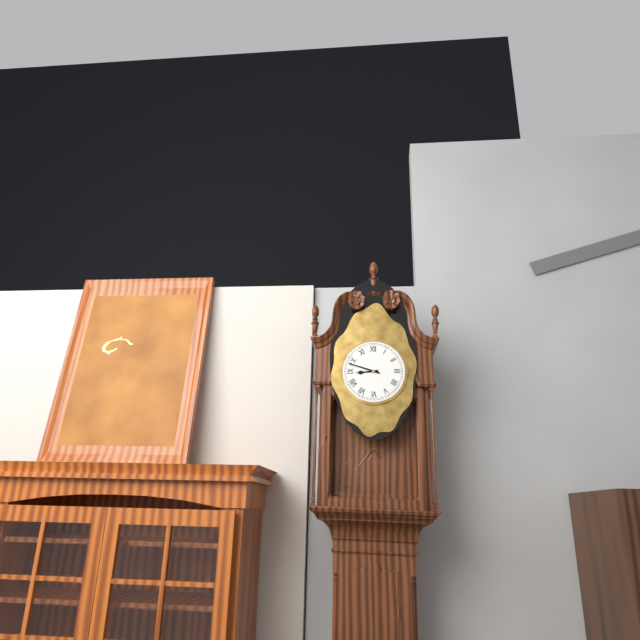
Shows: 8:48
